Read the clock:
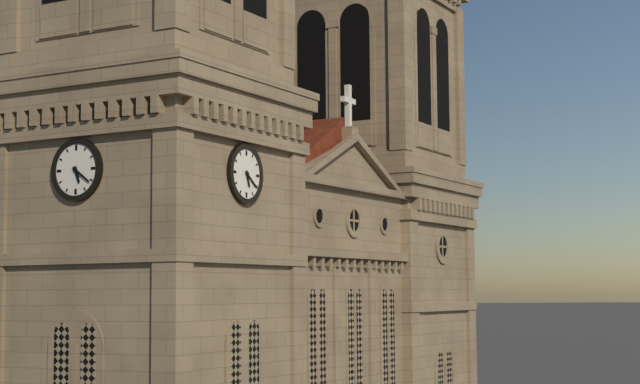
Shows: 5:21
